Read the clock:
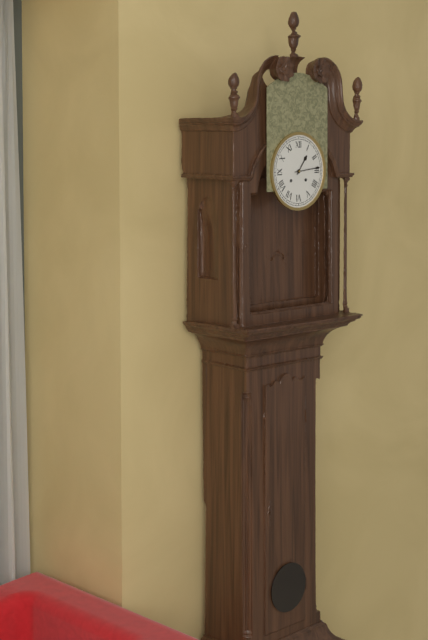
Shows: 1:14
